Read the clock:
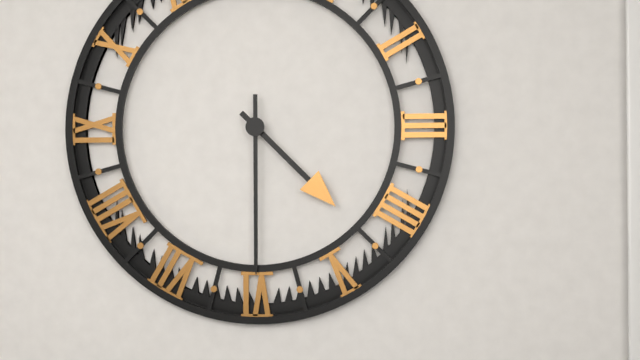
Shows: 4:30
